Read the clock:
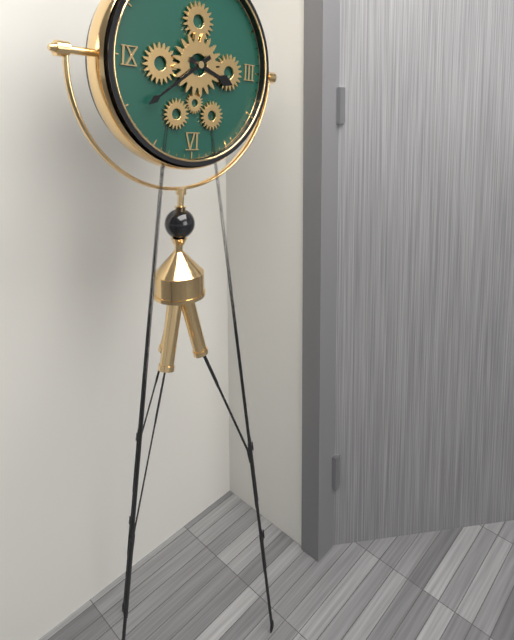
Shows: 3:39
